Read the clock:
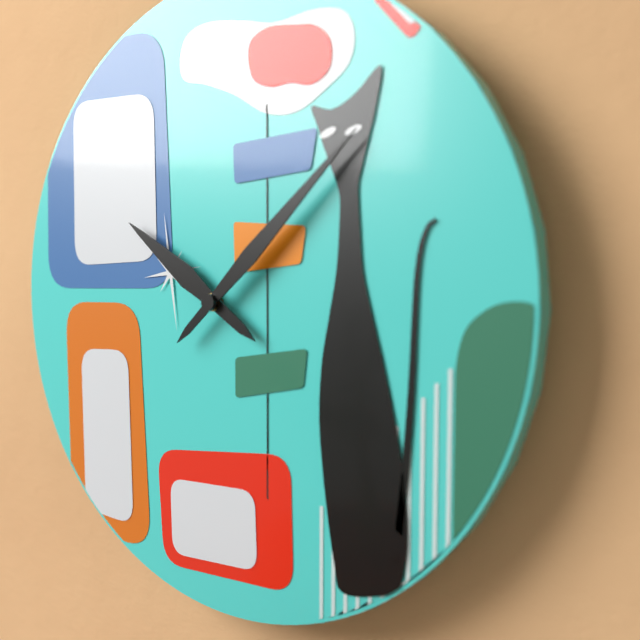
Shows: 10:08
